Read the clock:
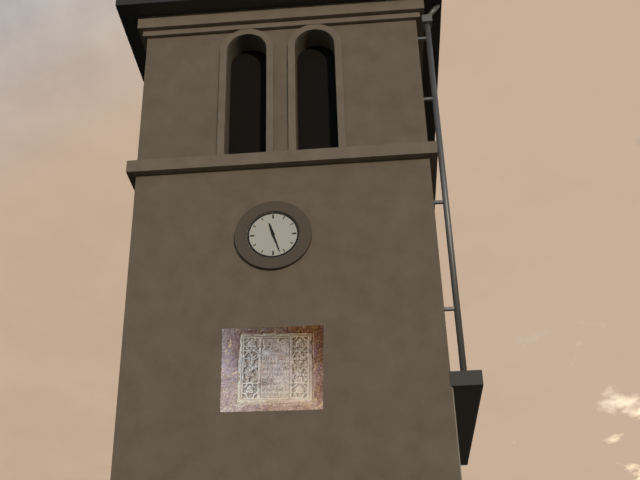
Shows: 11:27
